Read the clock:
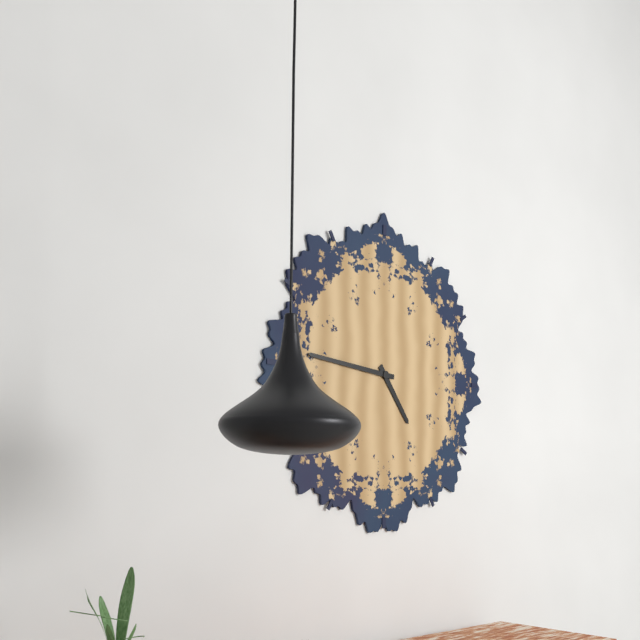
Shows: 4:46
